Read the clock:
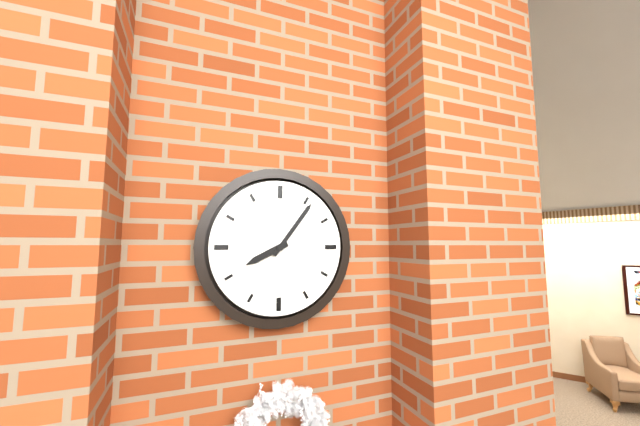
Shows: 8:06
